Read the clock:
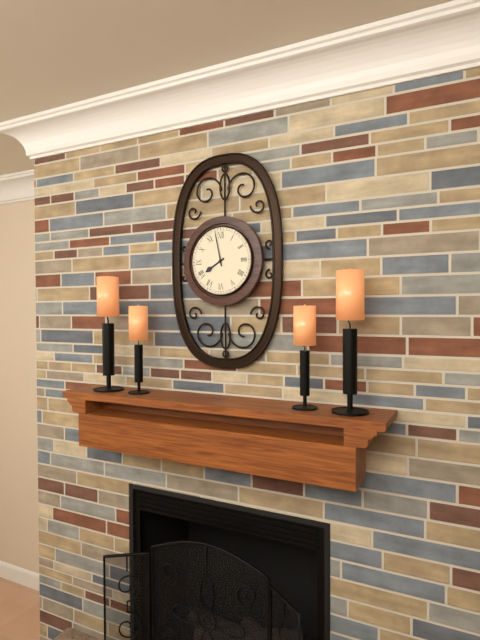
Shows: 7:58
